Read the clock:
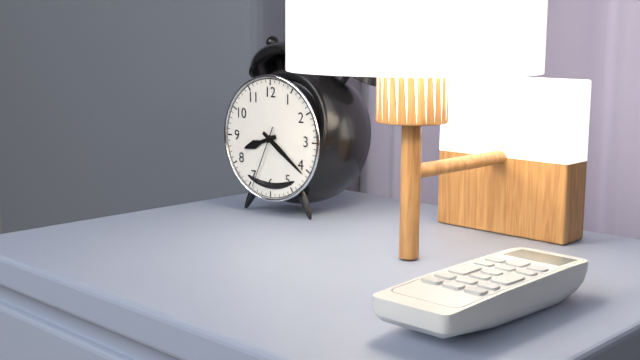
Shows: 8:21:34
